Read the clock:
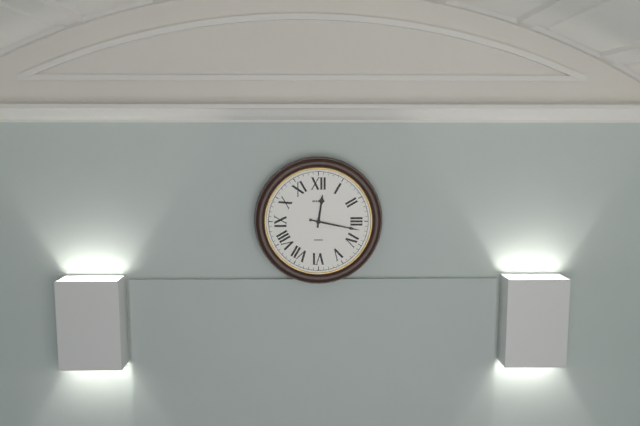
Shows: 12:17
